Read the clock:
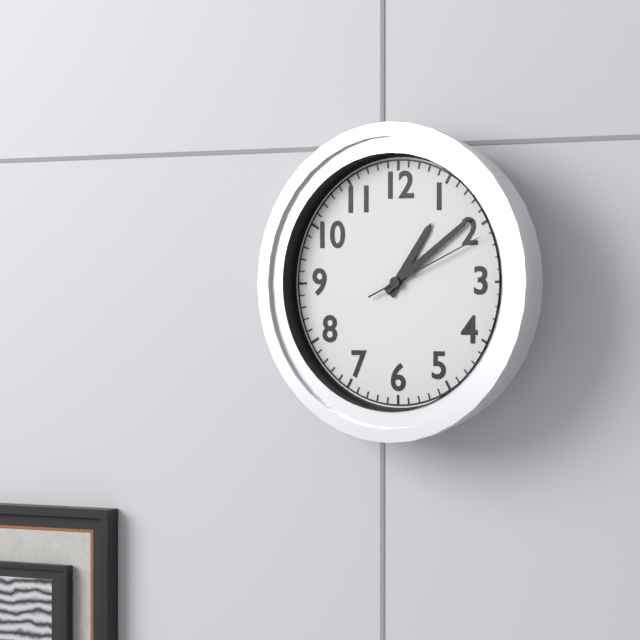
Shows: 1:09:11
